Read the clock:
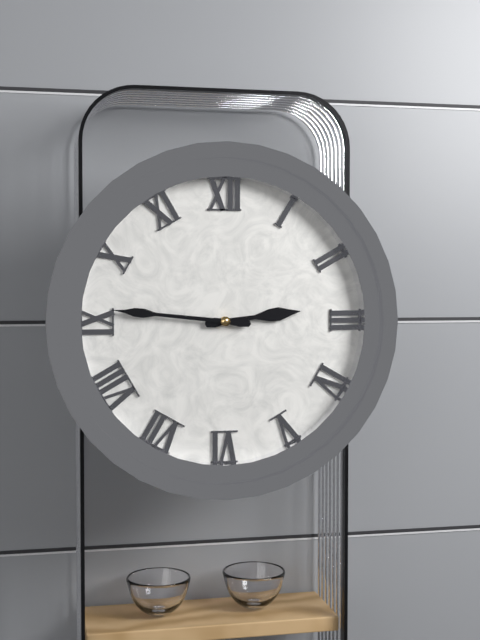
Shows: 2:46
